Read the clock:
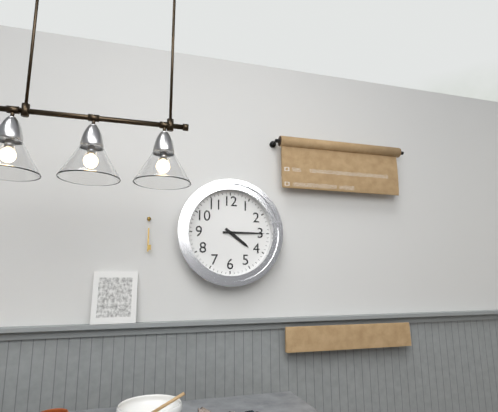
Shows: 4:15
